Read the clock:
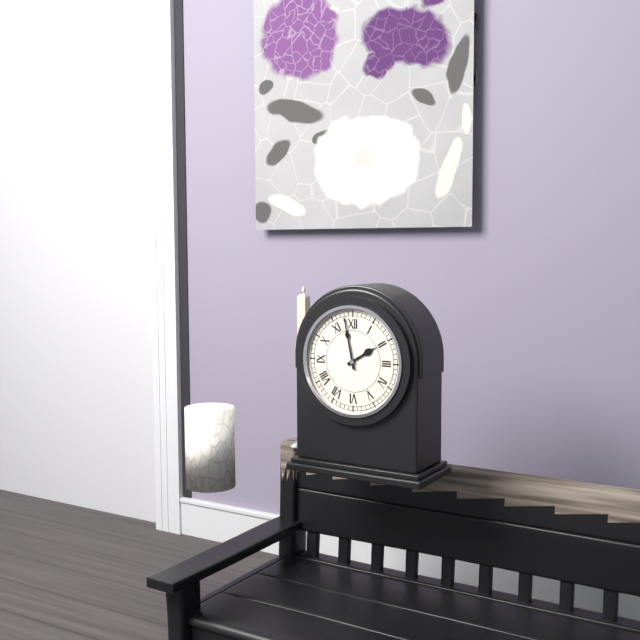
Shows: 1:58
